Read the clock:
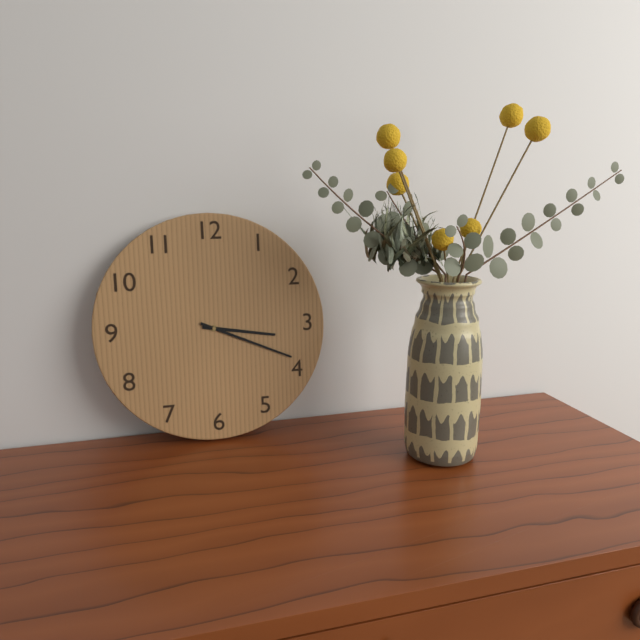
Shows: 3:19
